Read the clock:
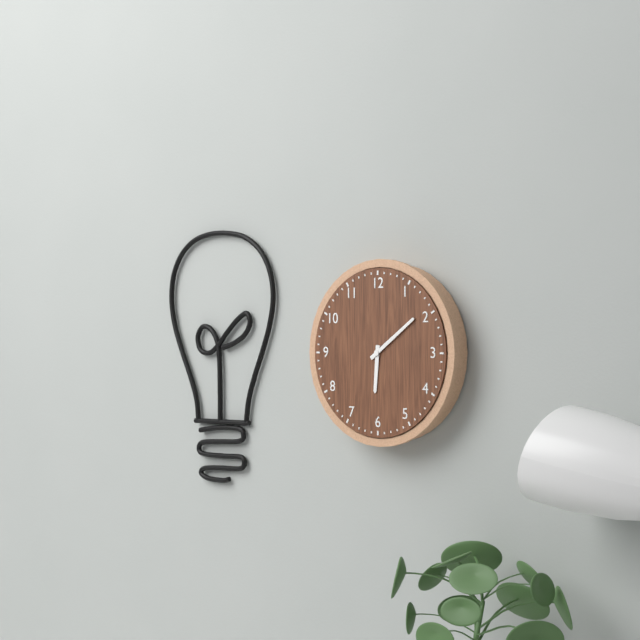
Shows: 6:09
